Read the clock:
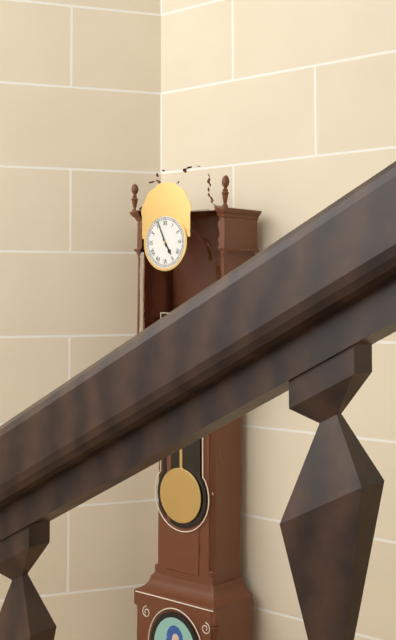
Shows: 4:56
